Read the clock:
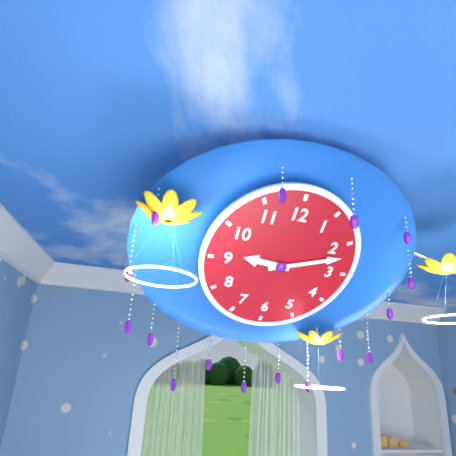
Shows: 9:12
